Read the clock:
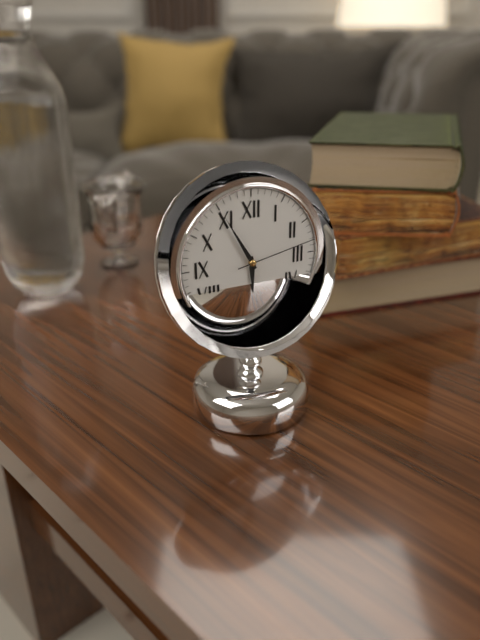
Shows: 5:55:13
